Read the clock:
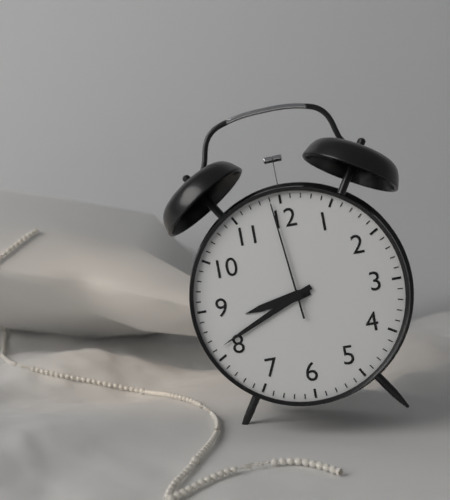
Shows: 8:41:59
